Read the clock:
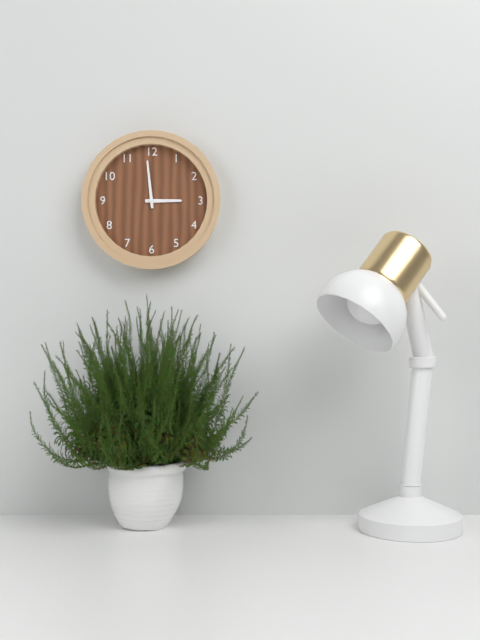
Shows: 2:59
